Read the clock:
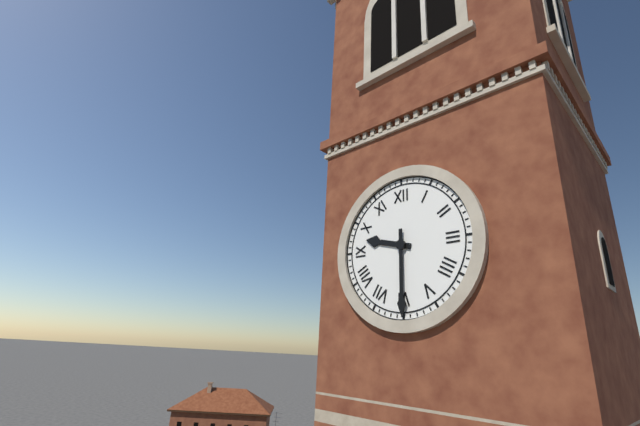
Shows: 9:30
